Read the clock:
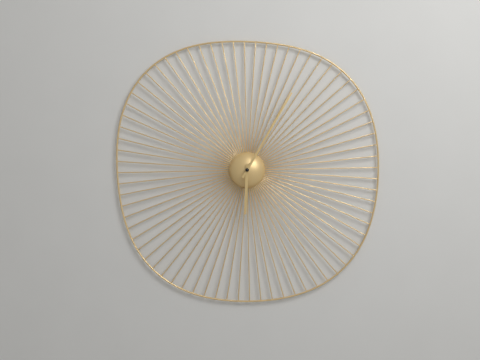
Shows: 6:05
